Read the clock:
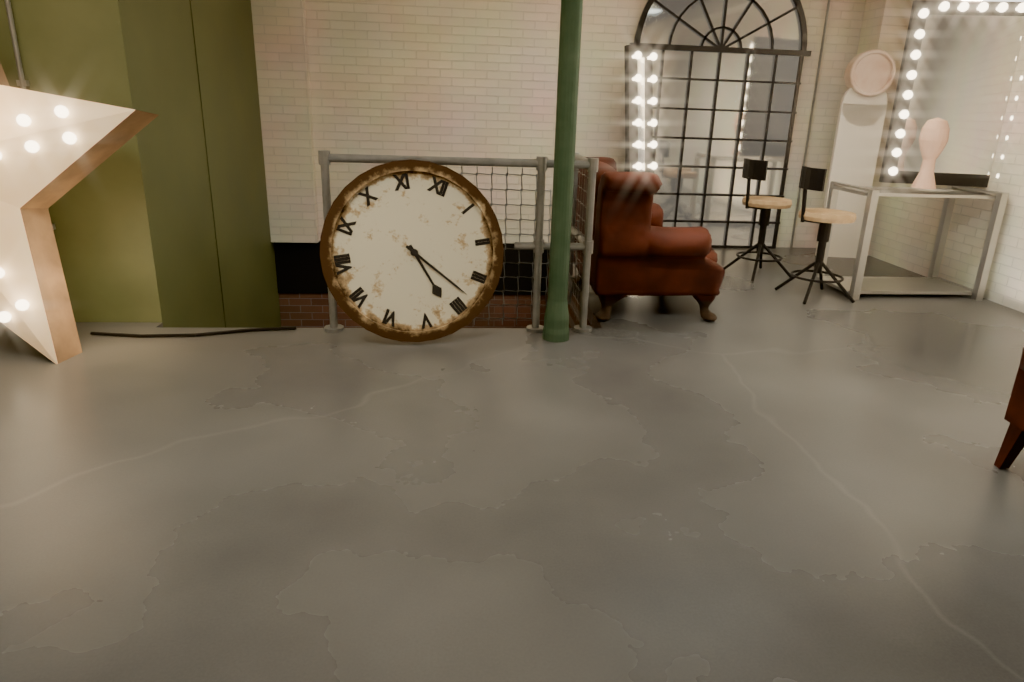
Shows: 4:18
